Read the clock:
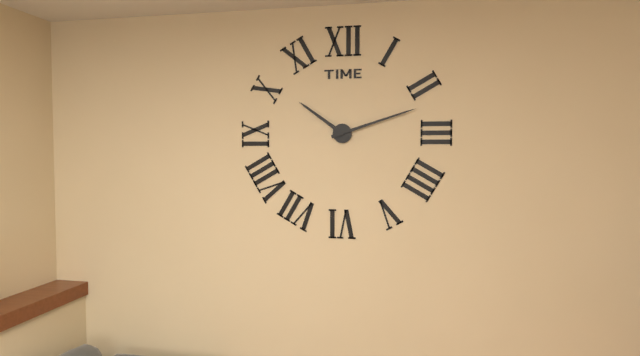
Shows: 10:12
